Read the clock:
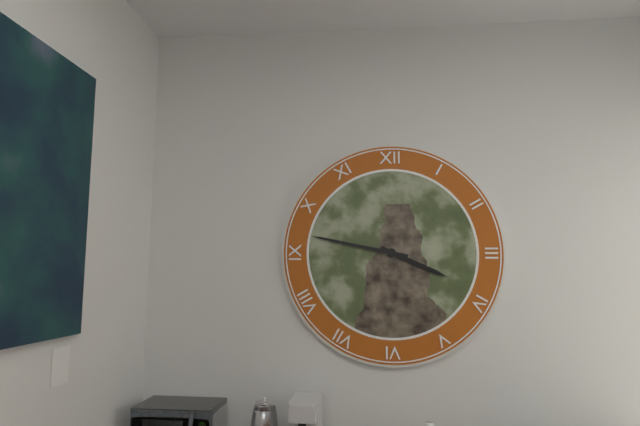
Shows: 3:47
